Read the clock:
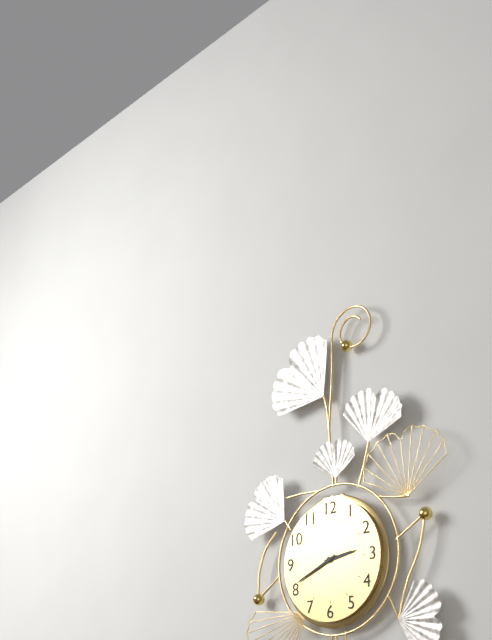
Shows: 2:41
